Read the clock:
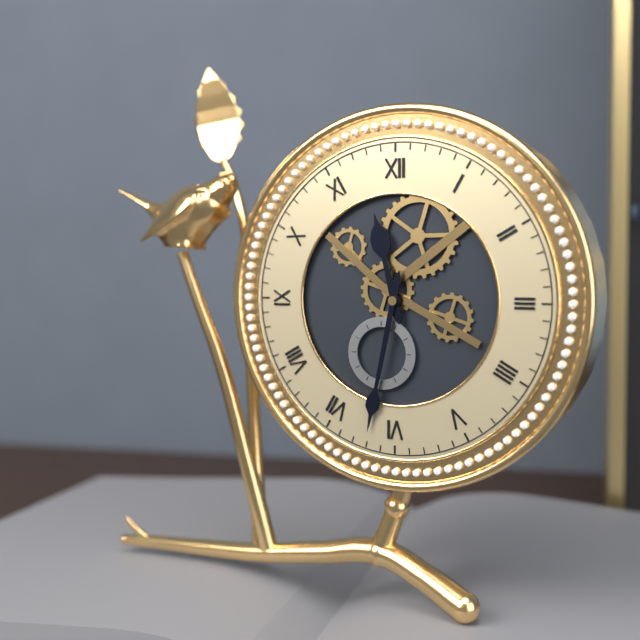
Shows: 11:32
